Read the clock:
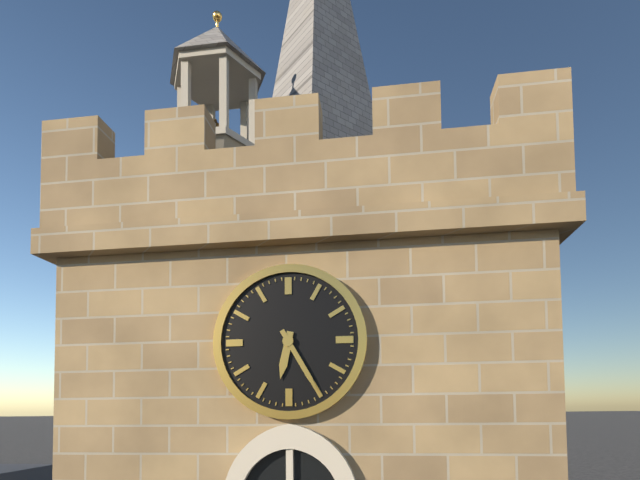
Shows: 6:25
